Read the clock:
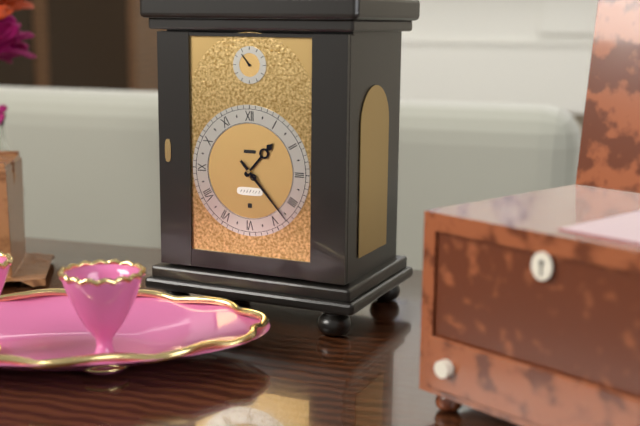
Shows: 1:23
